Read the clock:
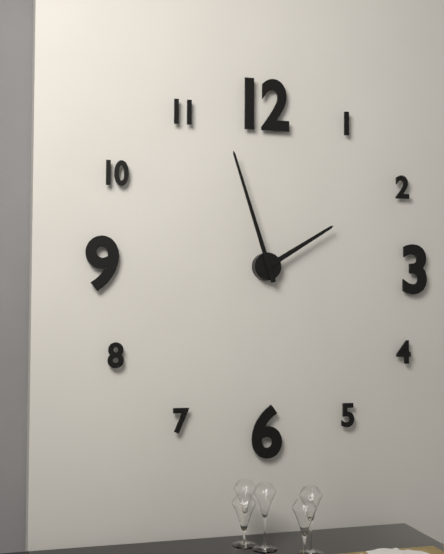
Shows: 1:57
